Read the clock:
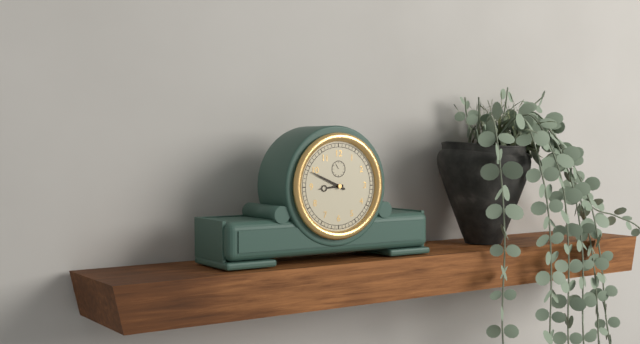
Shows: 8:49
